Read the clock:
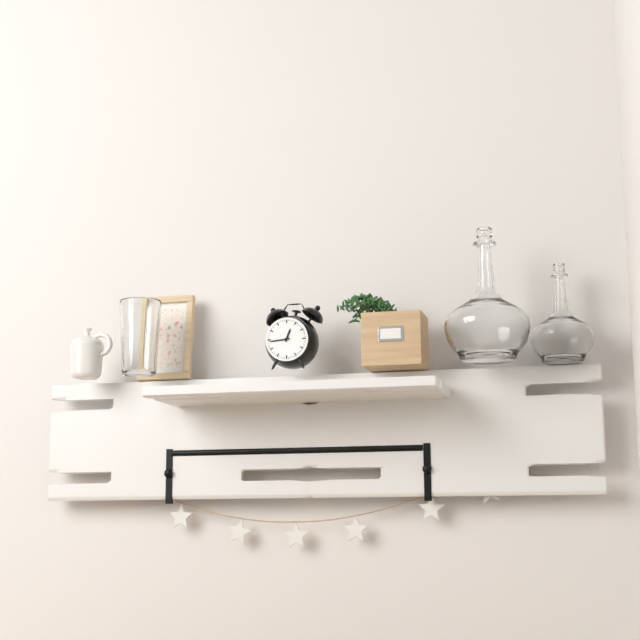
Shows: 12:44
